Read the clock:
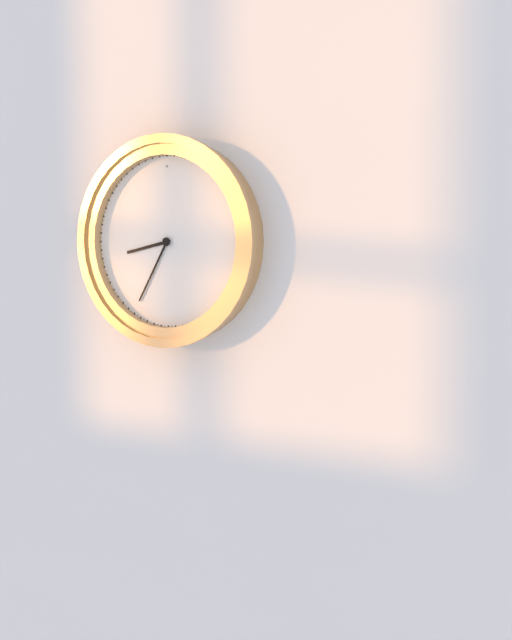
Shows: 8:35
